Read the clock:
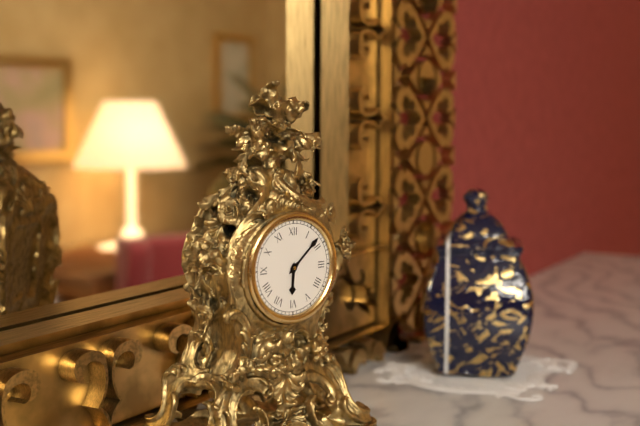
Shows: 6:08
